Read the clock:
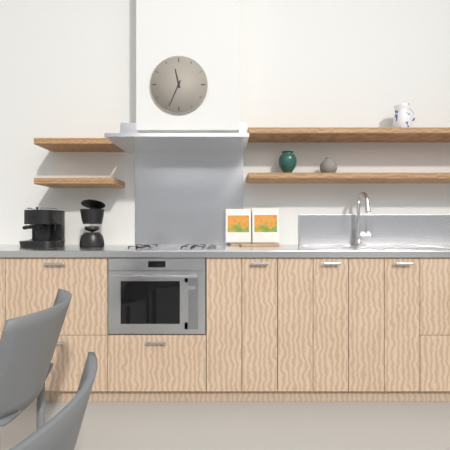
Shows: 11:34
